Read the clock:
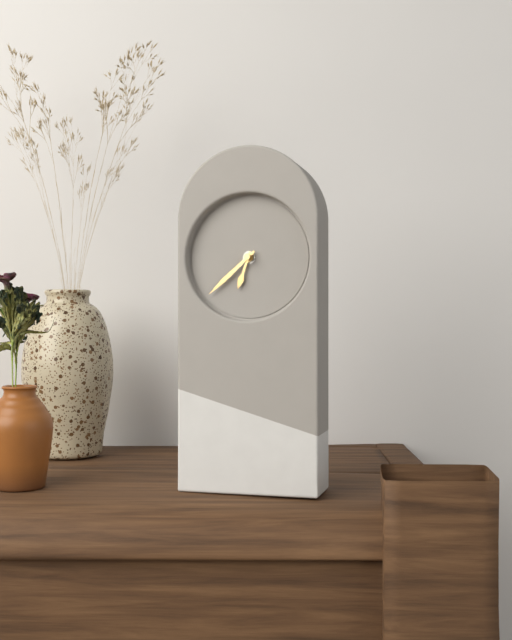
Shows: 6:38
